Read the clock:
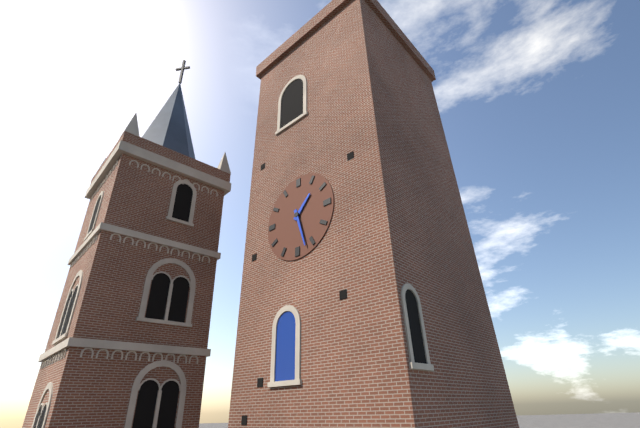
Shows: 1:27
